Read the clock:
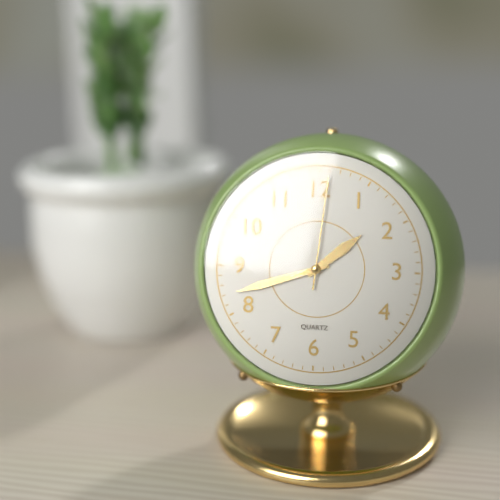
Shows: 1:42:01
